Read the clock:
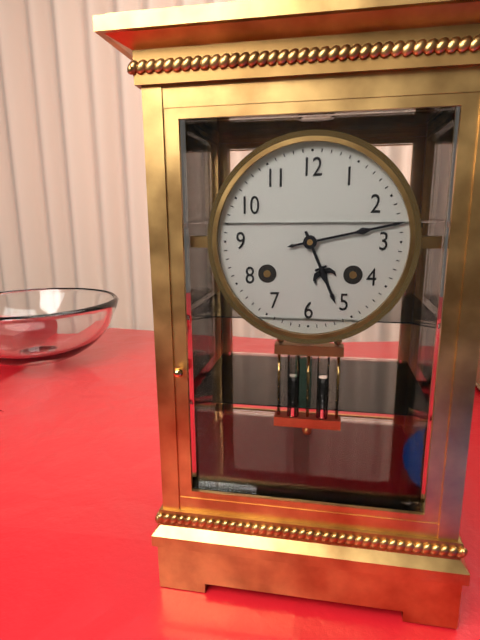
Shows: 5:13
